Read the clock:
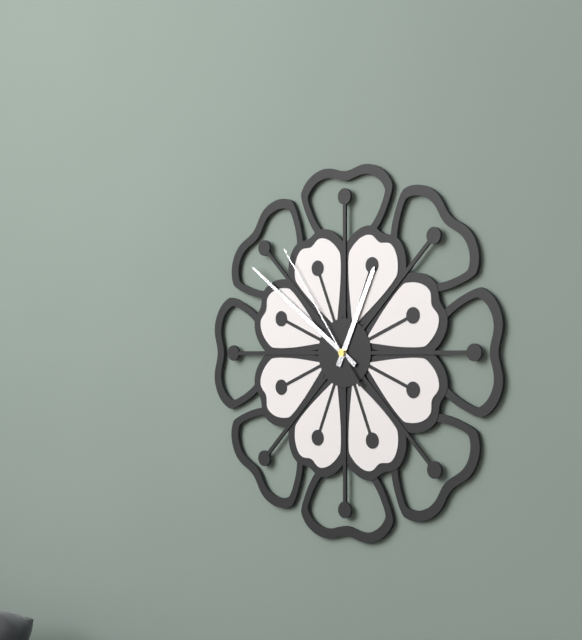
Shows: 12:51:54
